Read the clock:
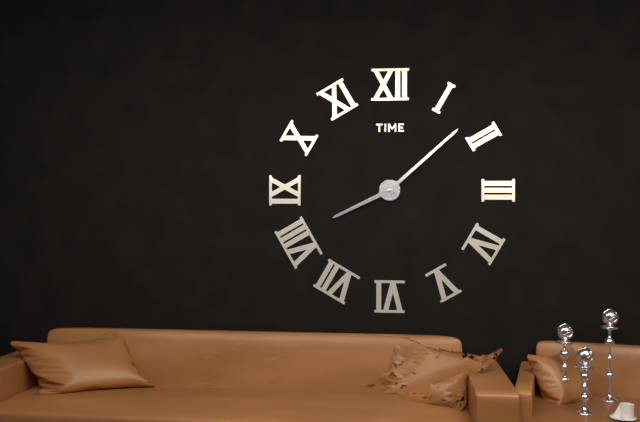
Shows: 8:08
